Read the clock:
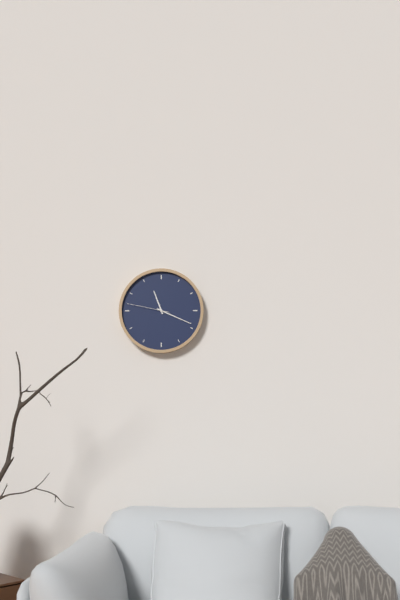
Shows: 11:19
